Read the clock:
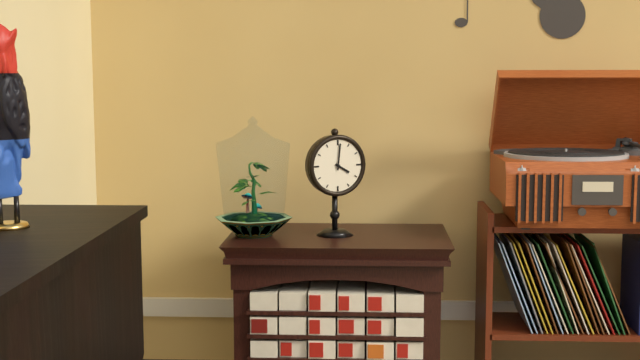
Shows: 4:01
